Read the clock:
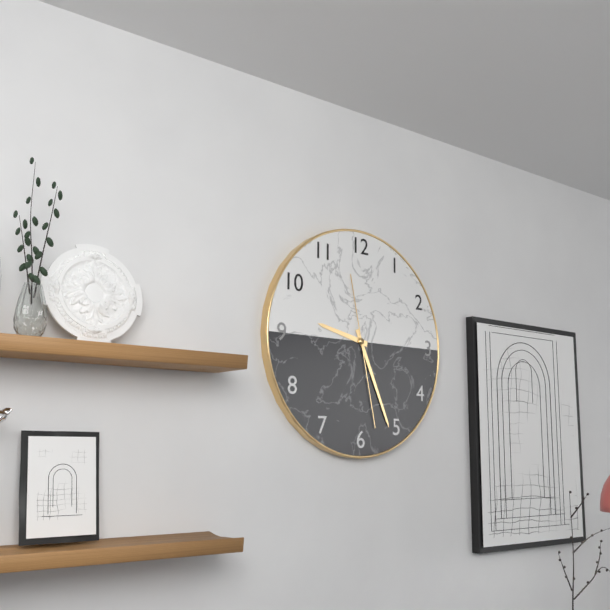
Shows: 9:26:28
